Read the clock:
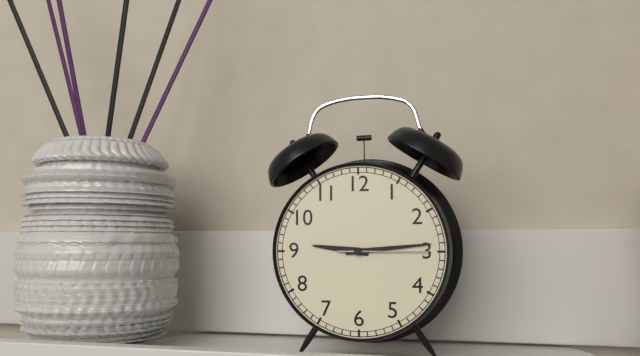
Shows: 9:14:15
